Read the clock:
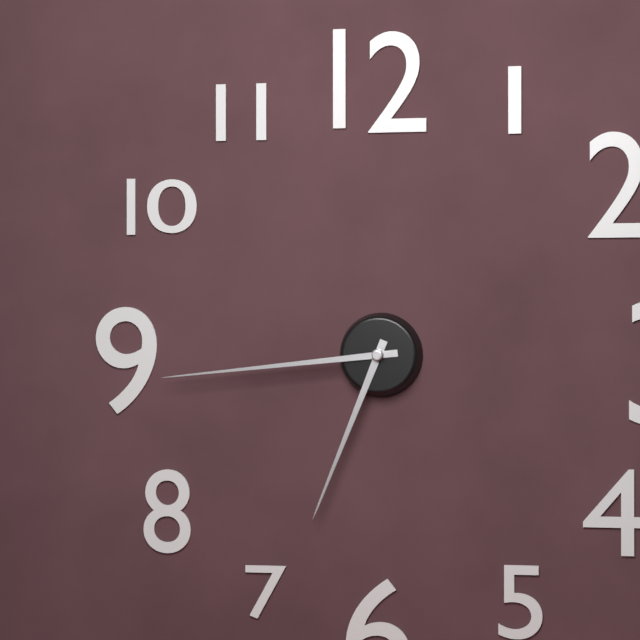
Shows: 6:44
